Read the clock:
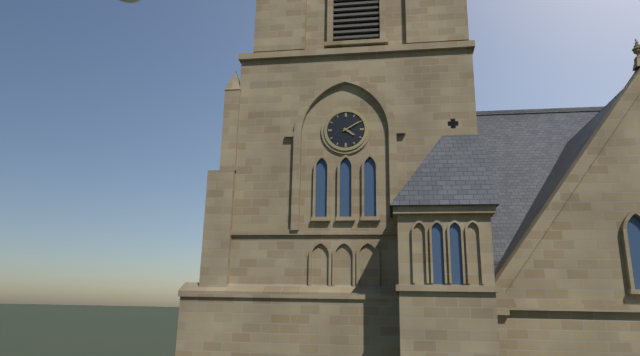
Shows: 4:10
